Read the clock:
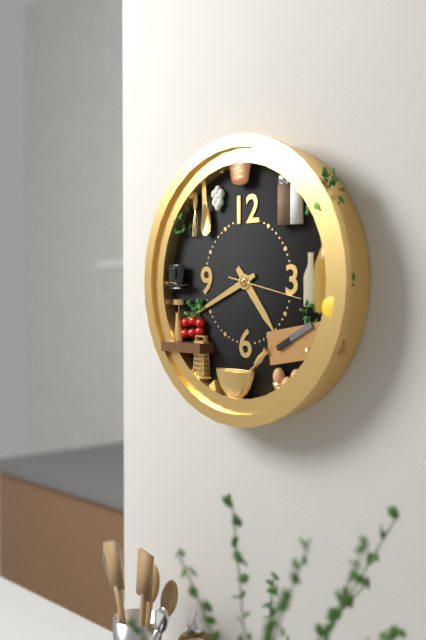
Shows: 4:41:17
